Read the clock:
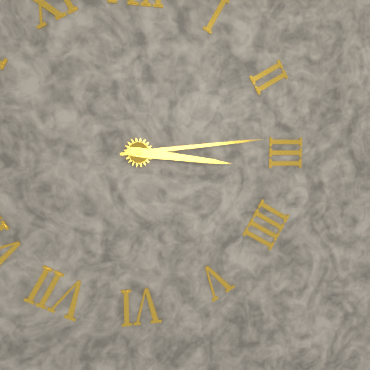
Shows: 3:14
